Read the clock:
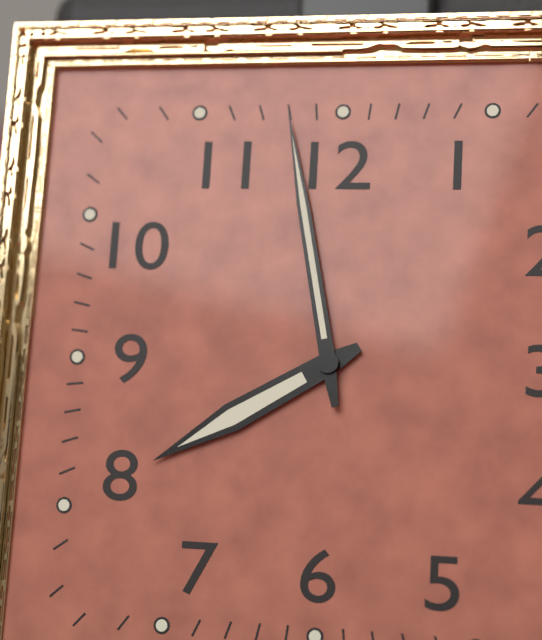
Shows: 7:58
